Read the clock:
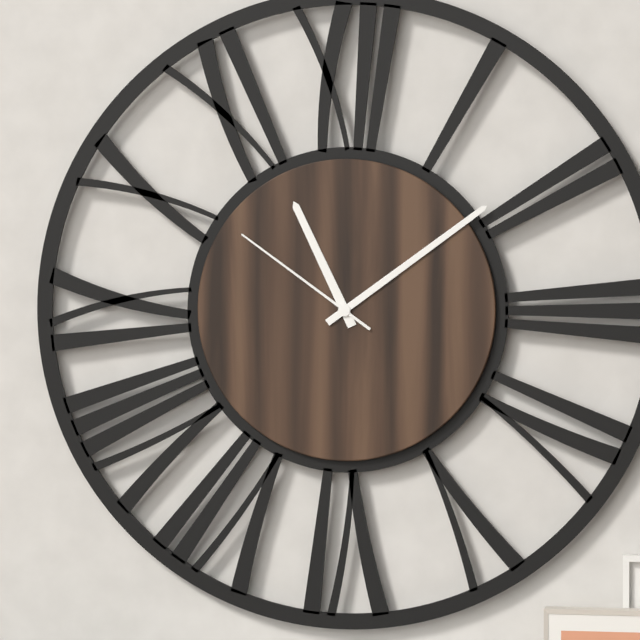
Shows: 11:09:51
